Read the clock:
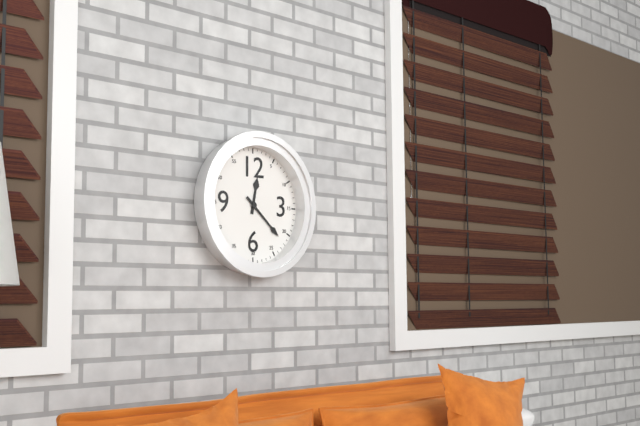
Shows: 12:22
